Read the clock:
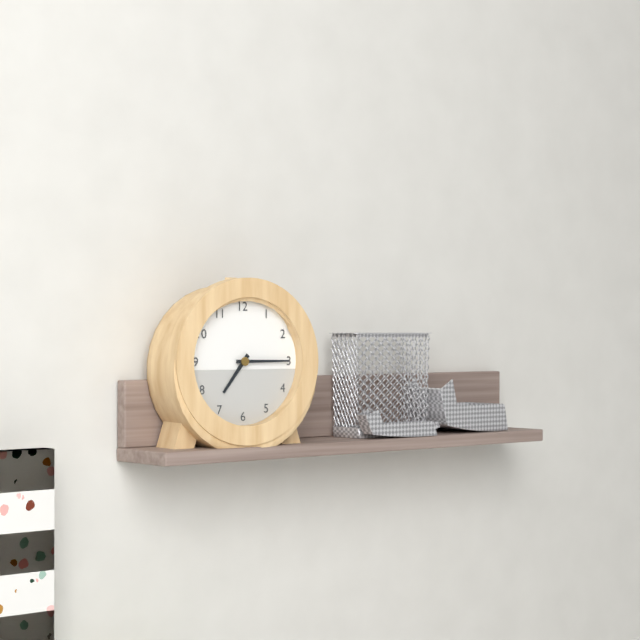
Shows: 7:15
